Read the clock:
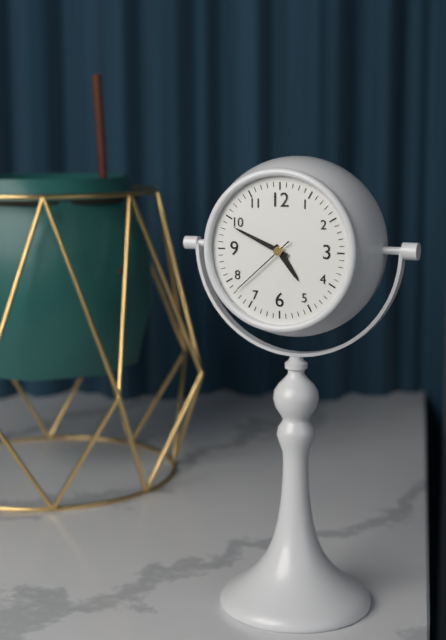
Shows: 4:49:38
